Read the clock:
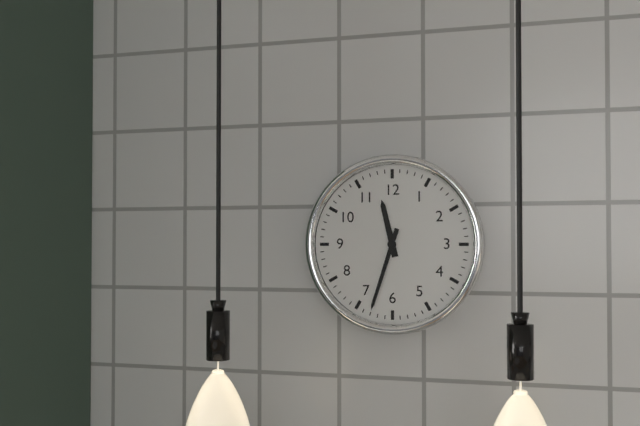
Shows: 11:33
